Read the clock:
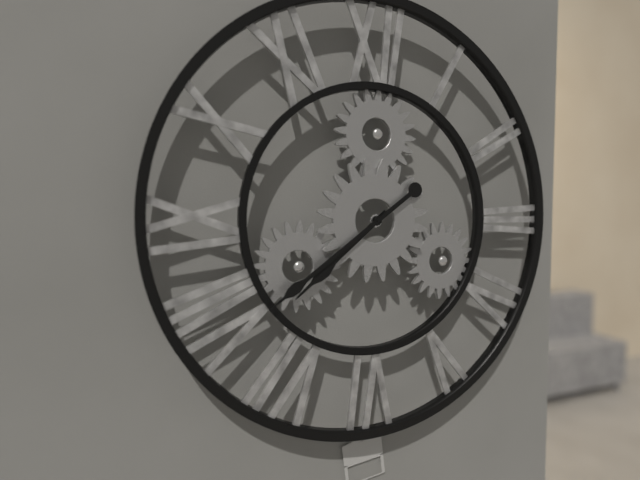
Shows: 7:39
